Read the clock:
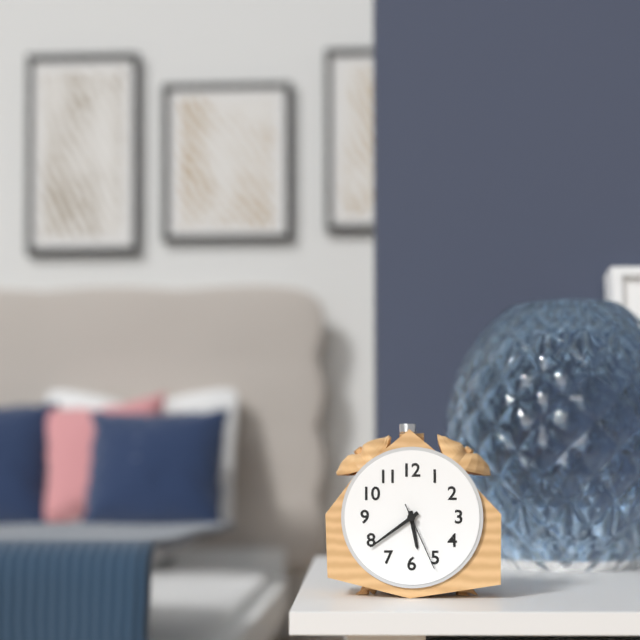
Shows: 5:39:26
